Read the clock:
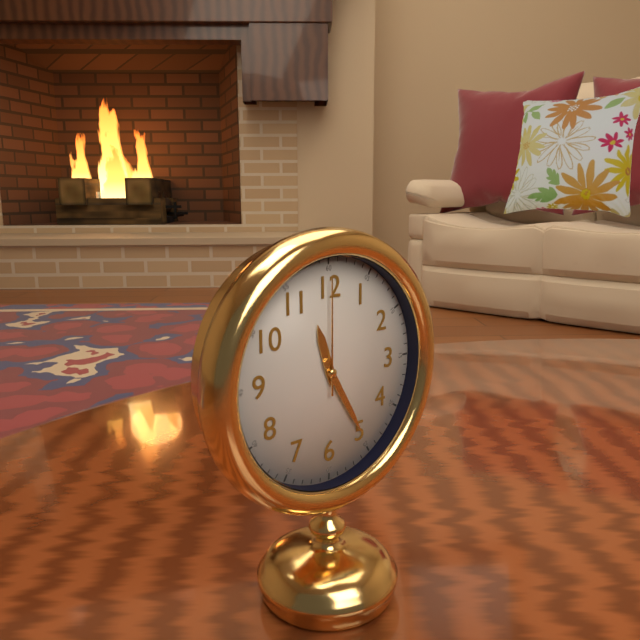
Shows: 11:25:00
